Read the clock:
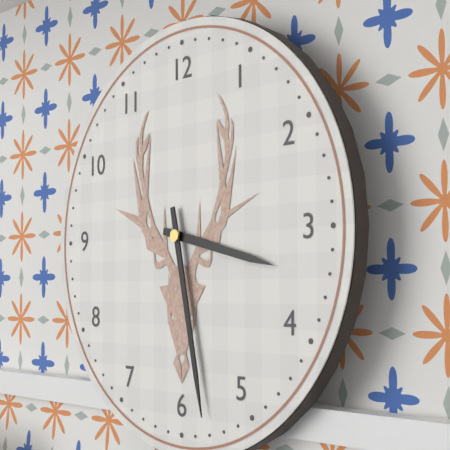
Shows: 3:28
